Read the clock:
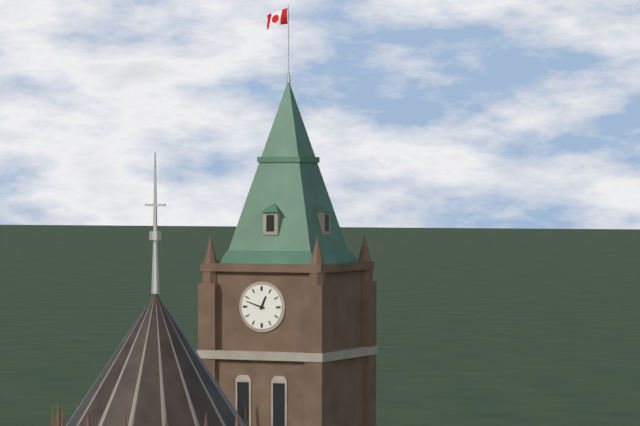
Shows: 12:48
